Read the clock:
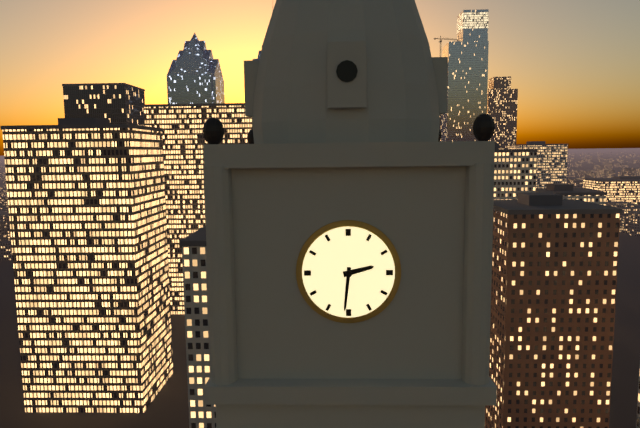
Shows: 2:31
